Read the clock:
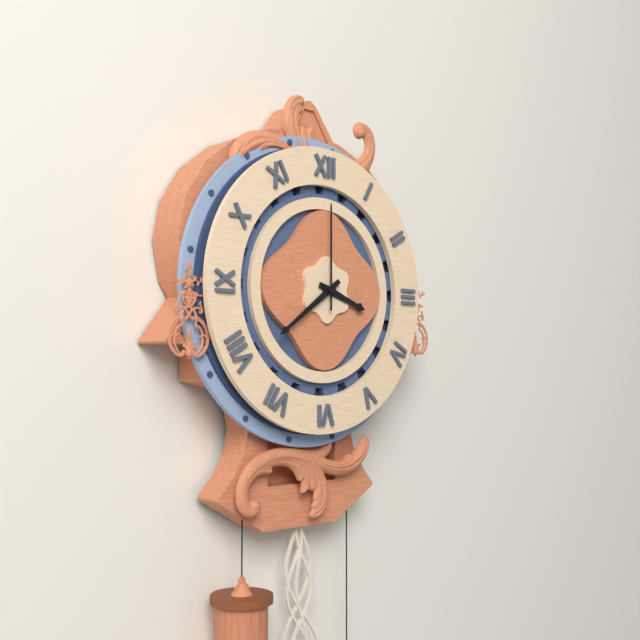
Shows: 3:39:00
